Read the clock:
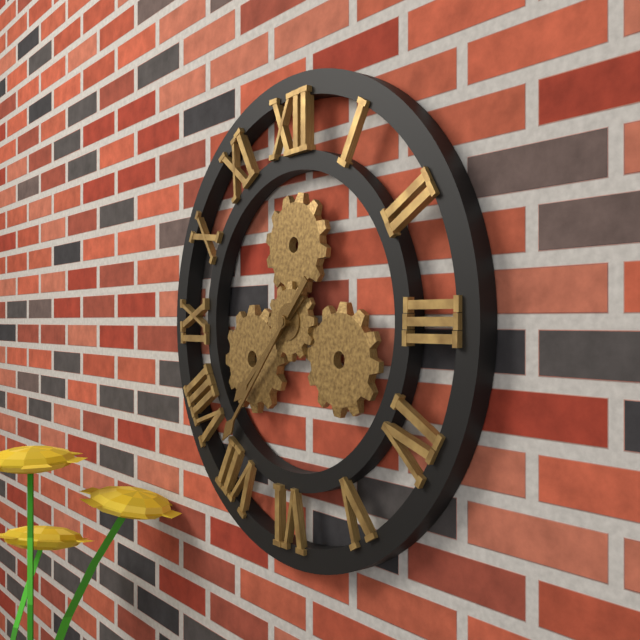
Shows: 7:37
